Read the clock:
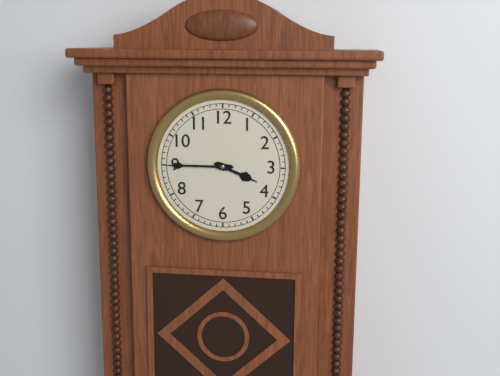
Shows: 3:45
